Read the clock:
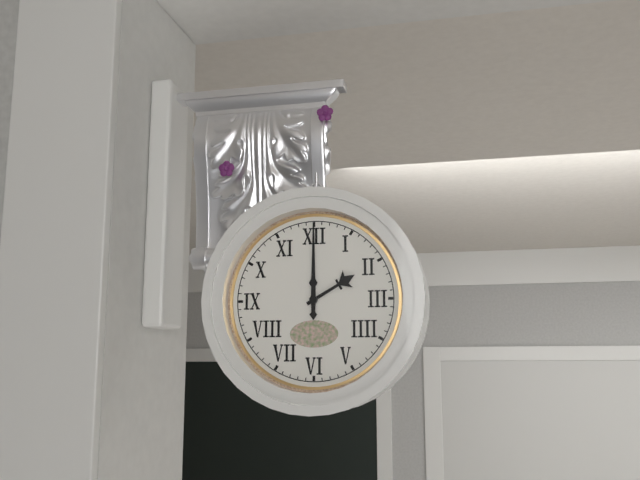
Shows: 2:00
